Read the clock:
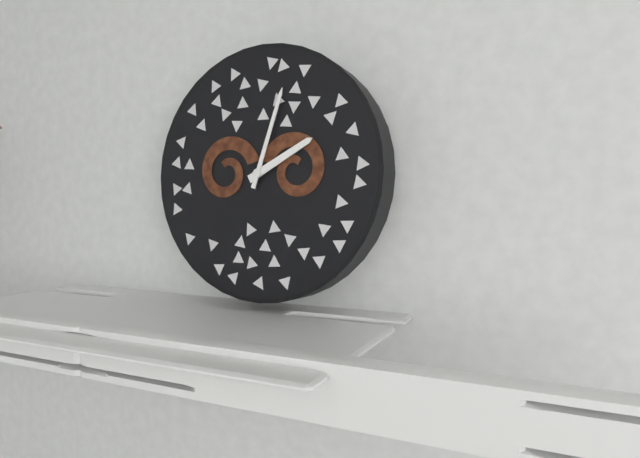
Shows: 2:03
